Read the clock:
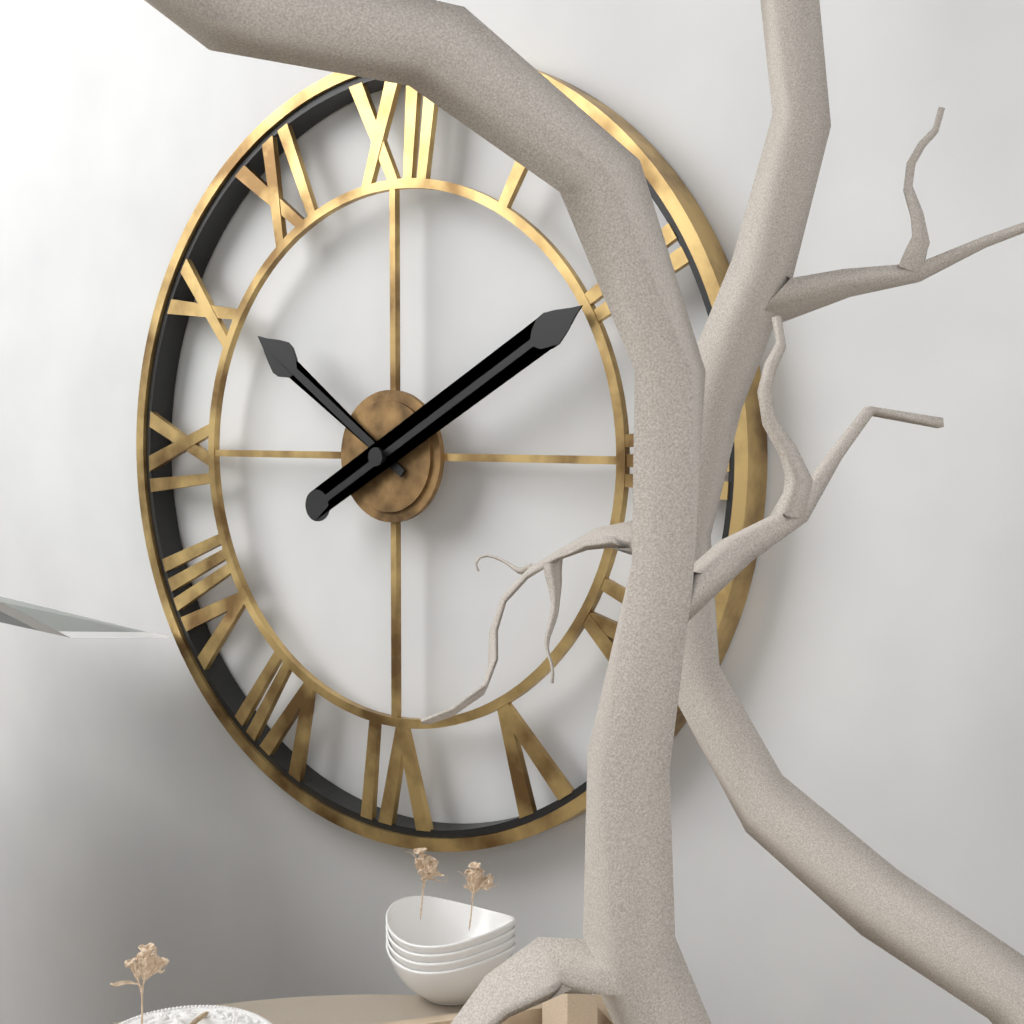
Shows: 10:10
